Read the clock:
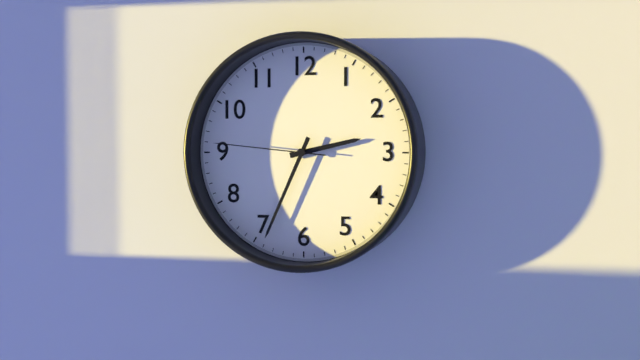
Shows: 2:34:46
